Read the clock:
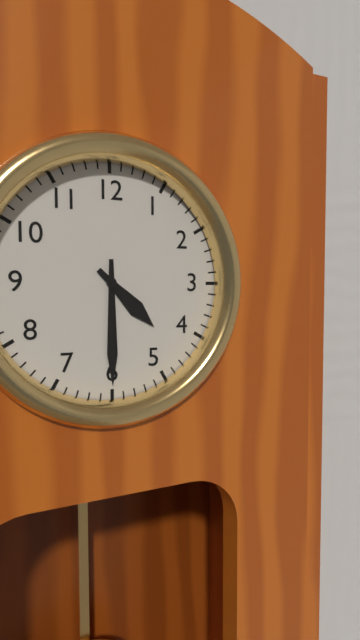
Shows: 4:30
